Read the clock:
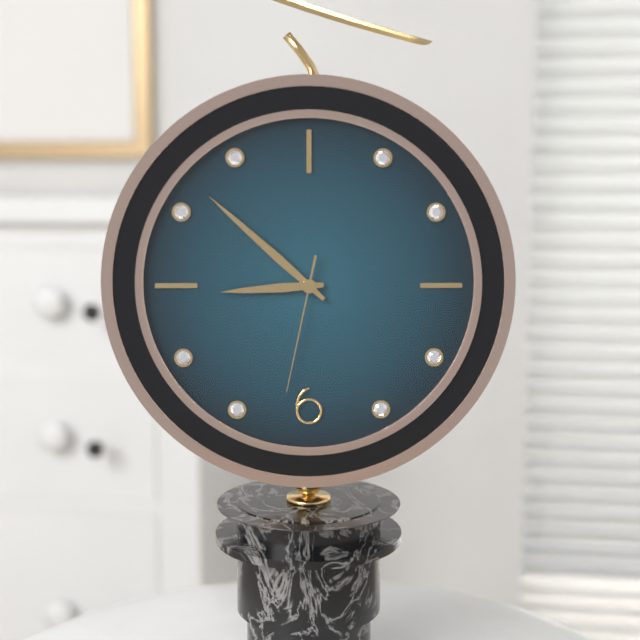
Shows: 8:52:32
